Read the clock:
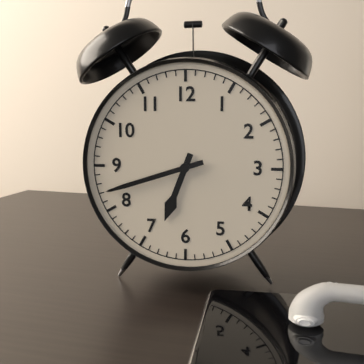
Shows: 6:42
